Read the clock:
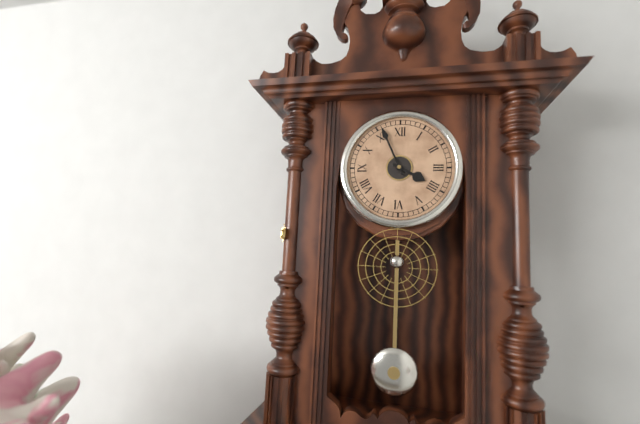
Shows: 3:56
